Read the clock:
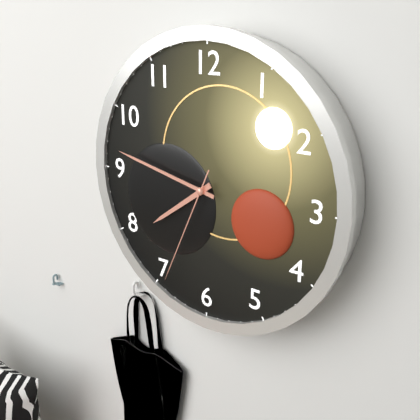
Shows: 7:47:34
